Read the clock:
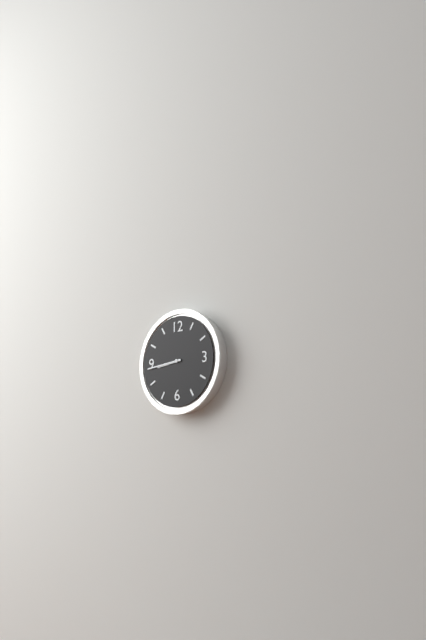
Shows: 8:44
